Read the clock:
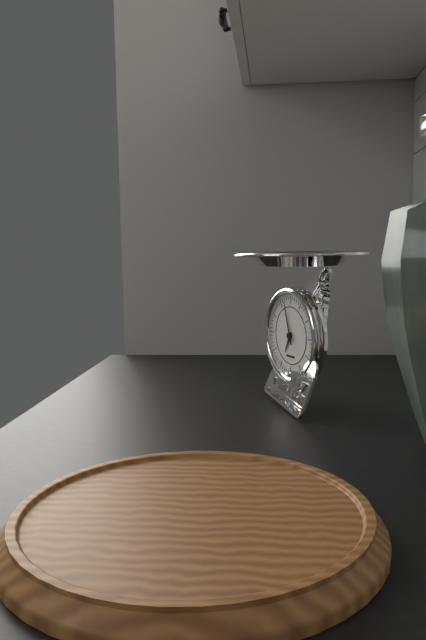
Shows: 6:57
